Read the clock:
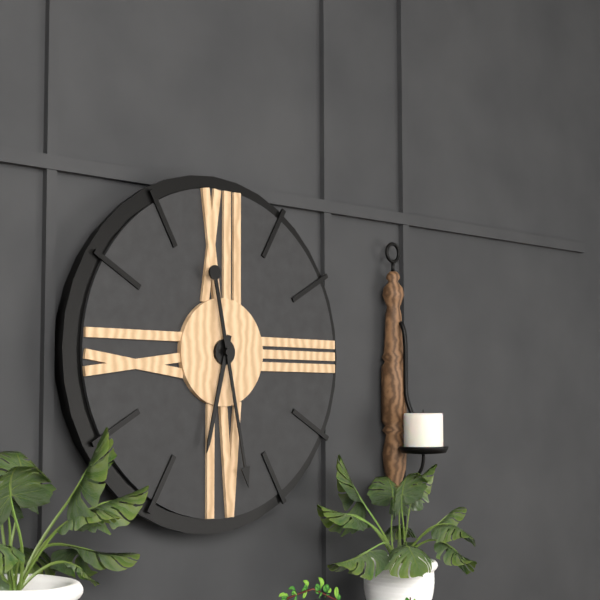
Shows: 6:28
